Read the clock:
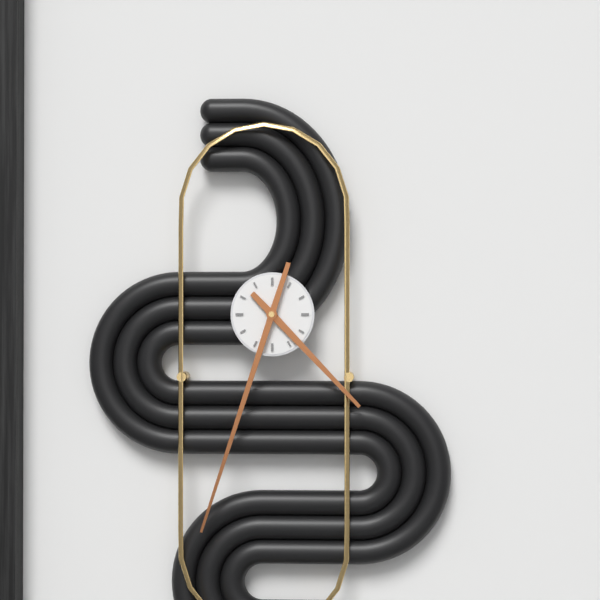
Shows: 4:33
